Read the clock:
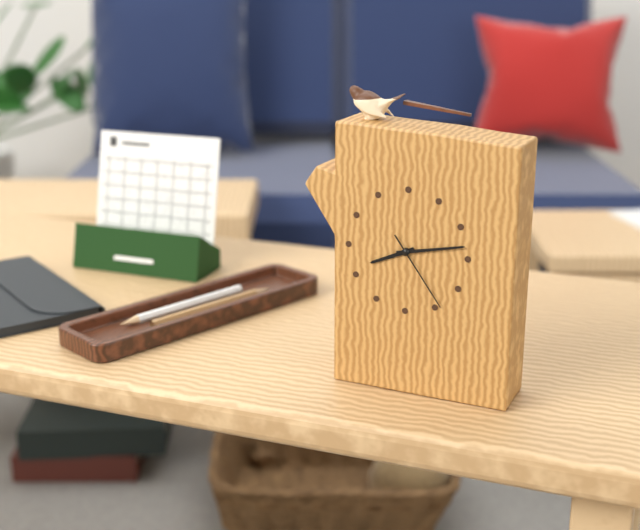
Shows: 8:13:24
